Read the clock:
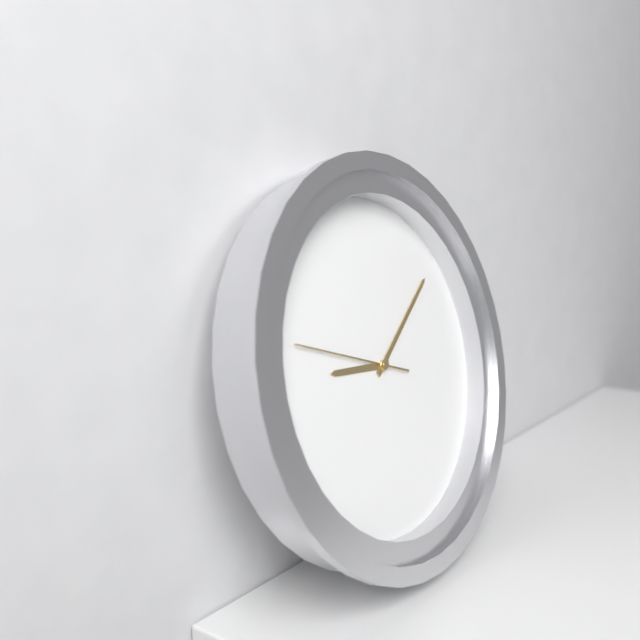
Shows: 9:09:48
